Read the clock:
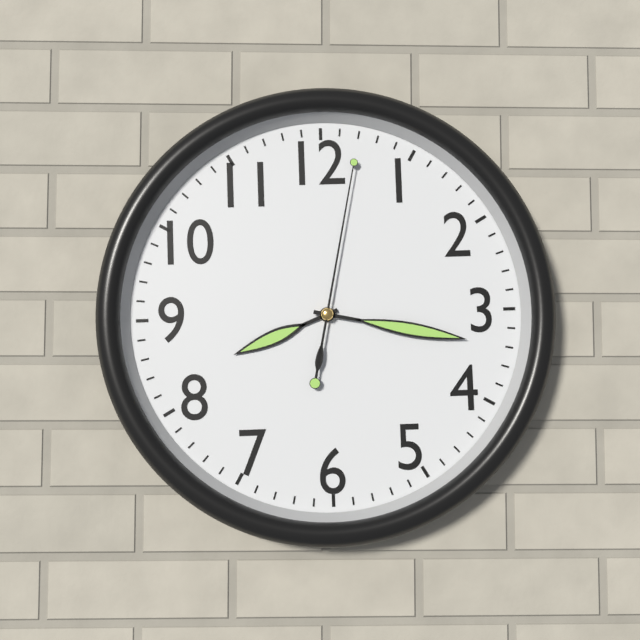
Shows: 8:17:02
